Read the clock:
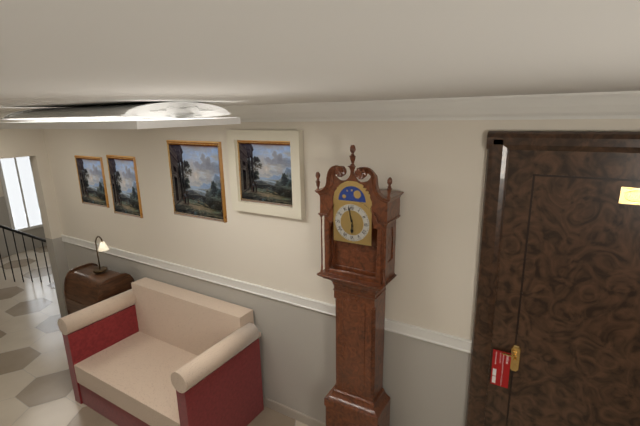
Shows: 5:58
